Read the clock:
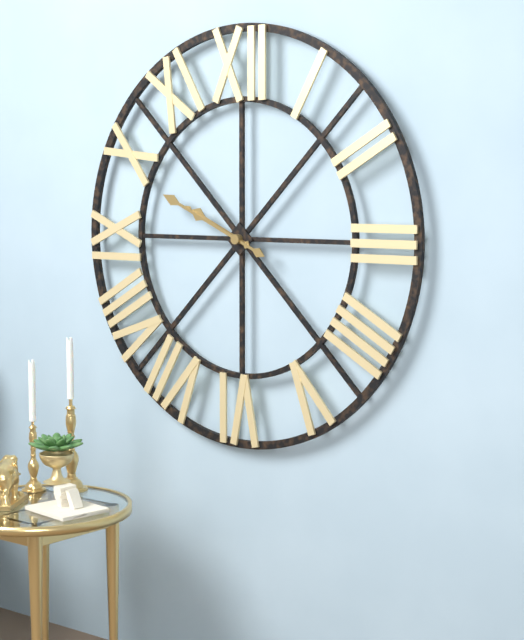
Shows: 9:49
